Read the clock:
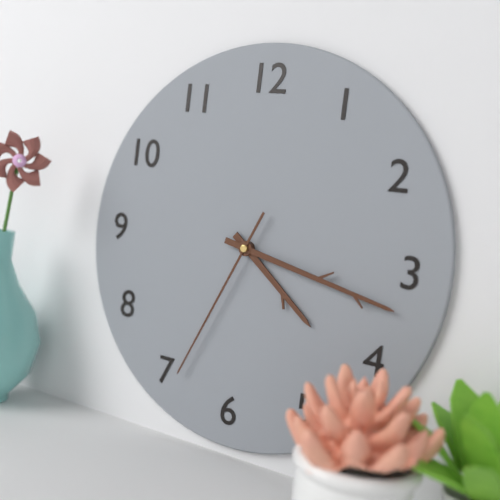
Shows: 4:17:34
